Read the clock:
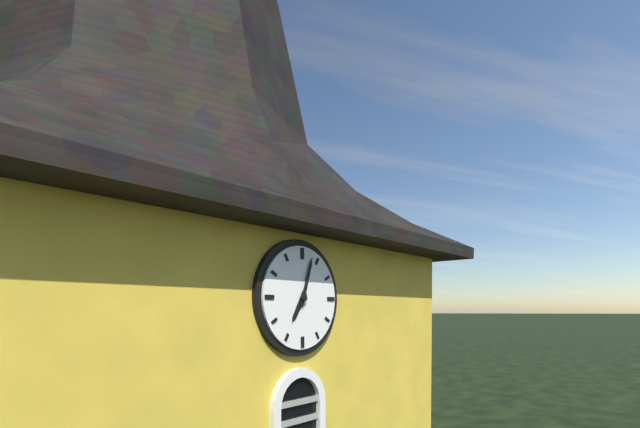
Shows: 7:03
